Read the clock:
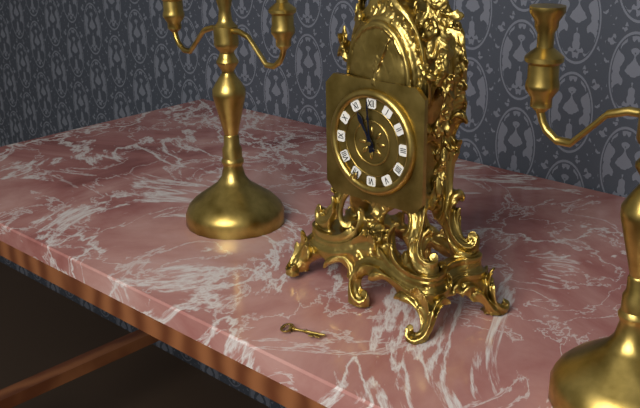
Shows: 10:59
